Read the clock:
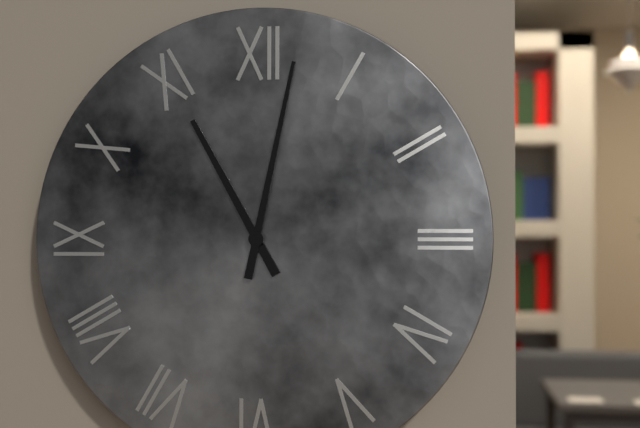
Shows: 11:02
